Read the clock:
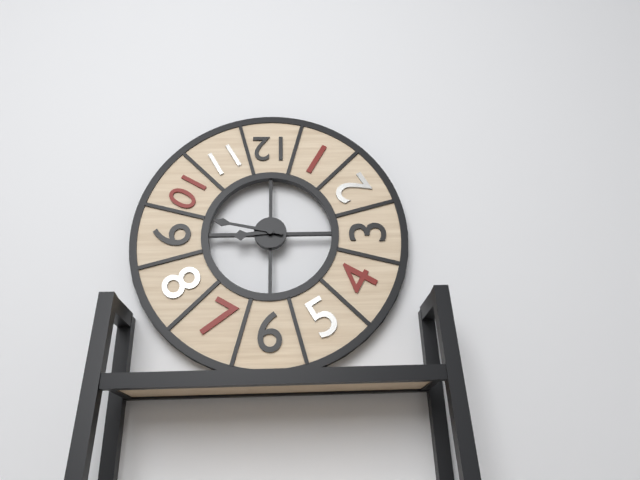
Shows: 8:47
